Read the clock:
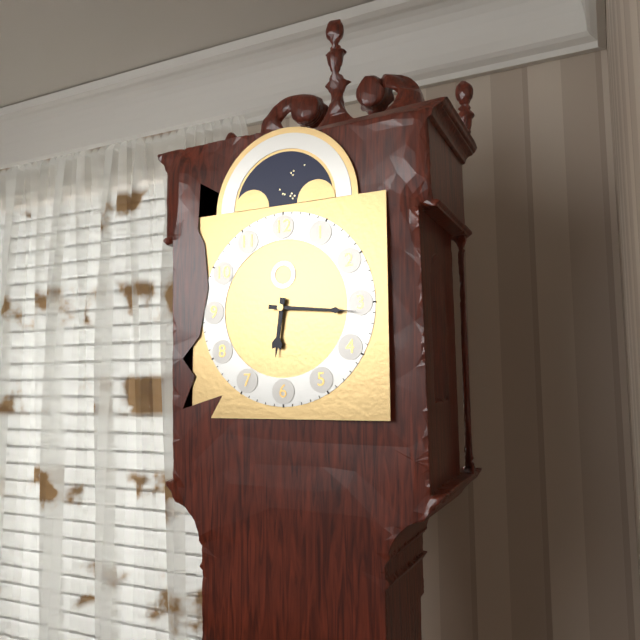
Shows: 6:16
